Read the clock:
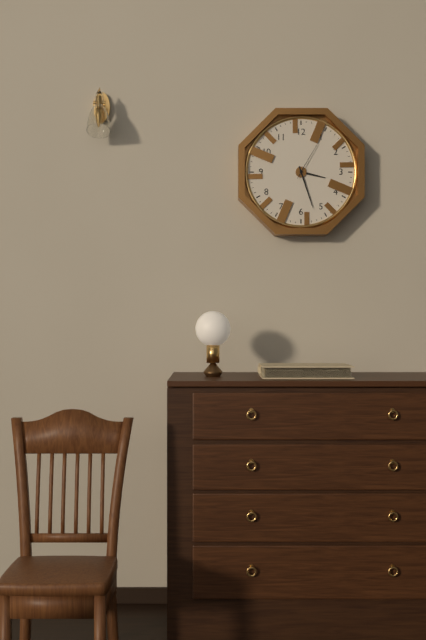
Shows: 3:27
